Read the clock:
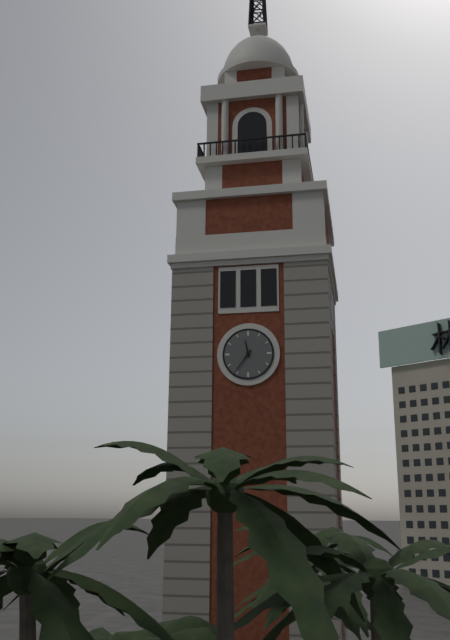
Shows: 11:36
